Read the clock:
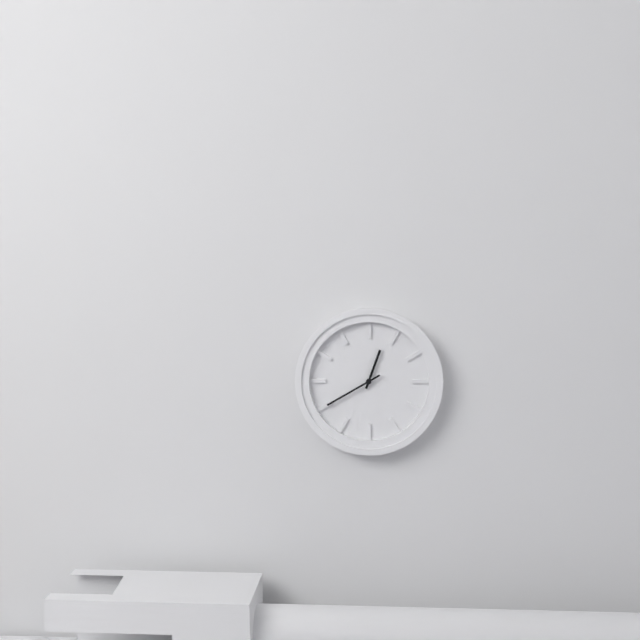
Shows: 12:40
